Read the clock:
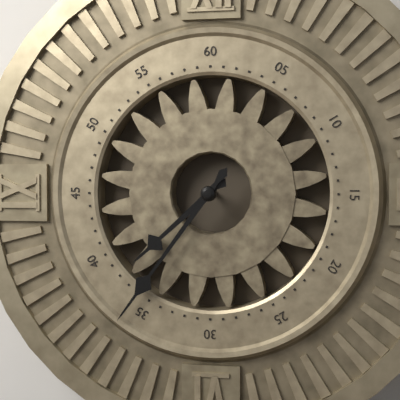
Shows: 7:36
